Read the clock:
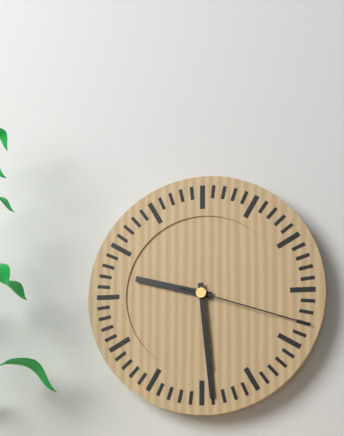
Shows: 9:29:18
